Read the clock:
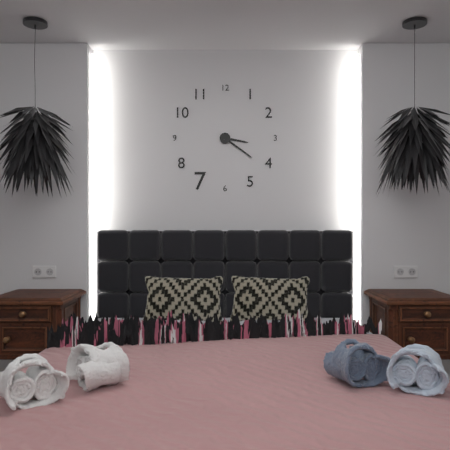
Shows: 3:21
